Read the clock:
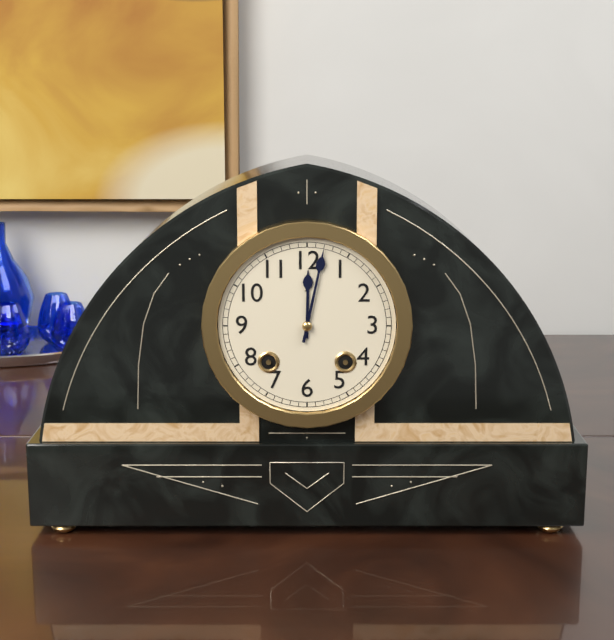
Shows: 12:02
